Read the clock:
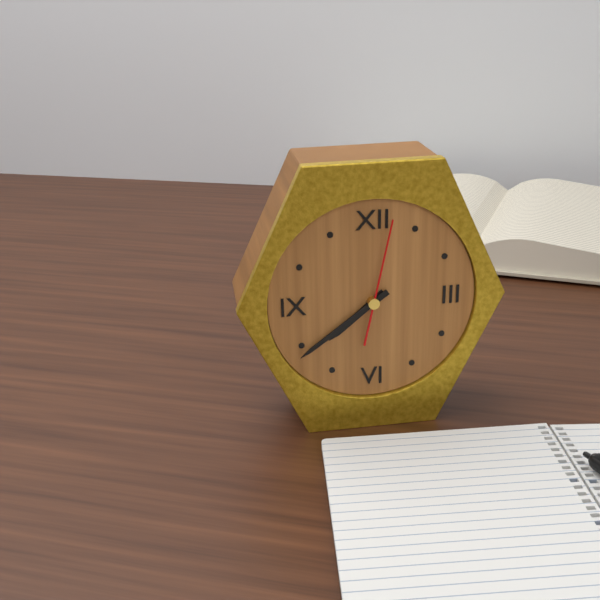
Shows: 7:39:02
